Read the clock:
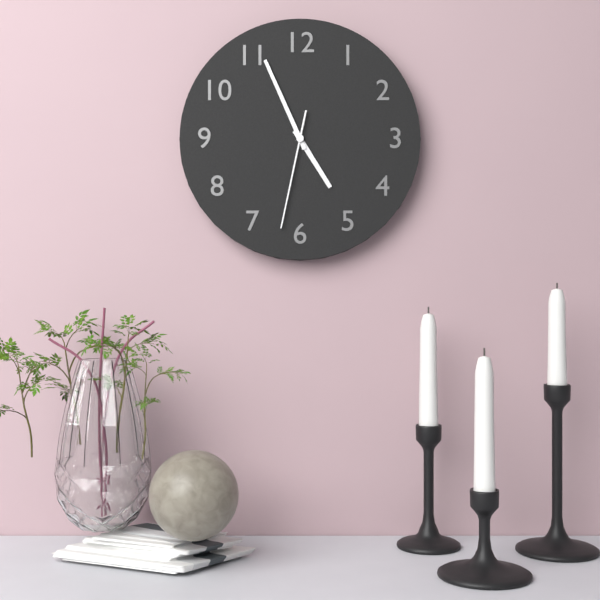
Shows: 4:56:32
